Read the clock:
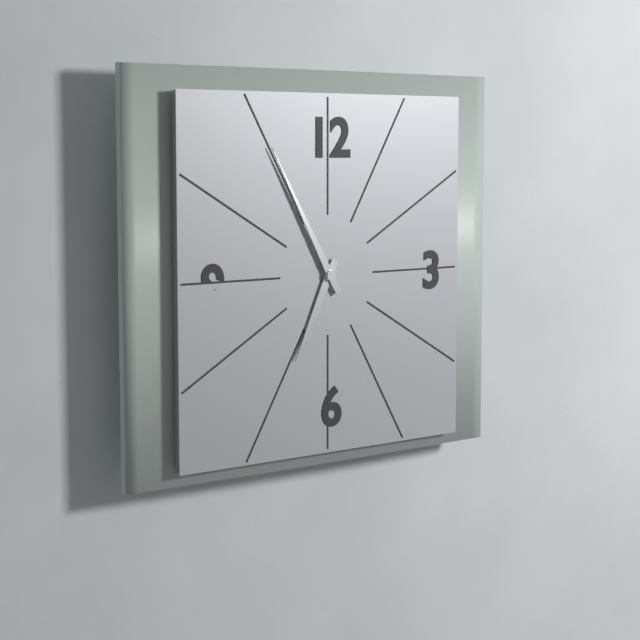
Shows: 6:55
